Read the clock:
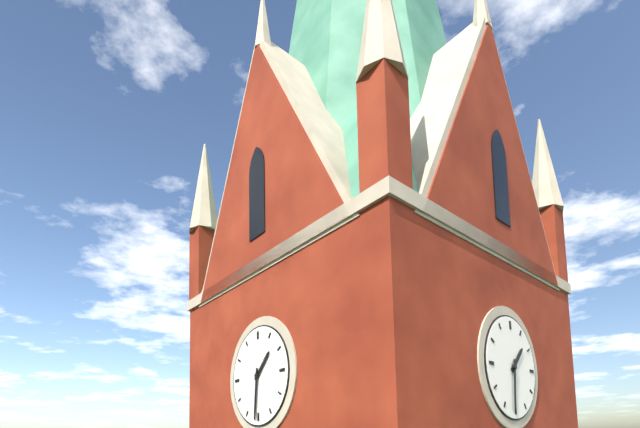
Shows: 1:31
